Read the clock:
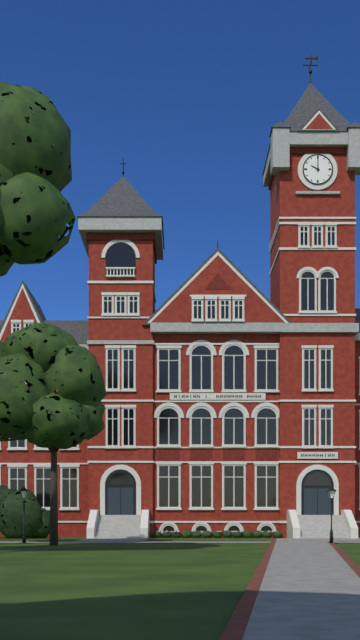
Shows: 10:00
